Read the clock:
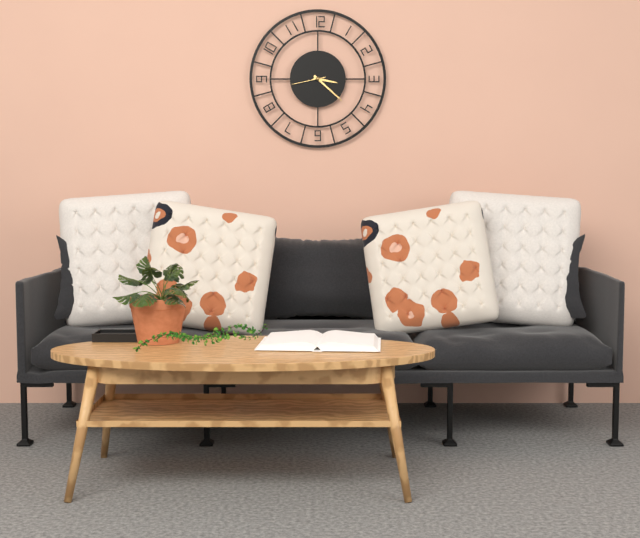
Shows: 3:22
